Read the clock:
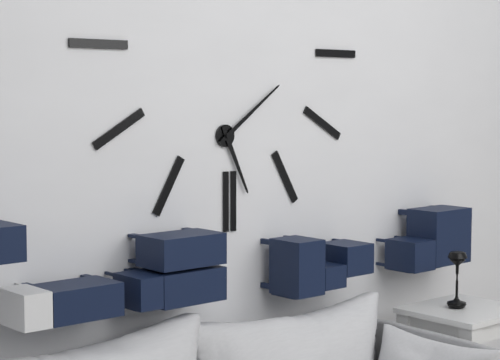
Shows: 5:09
